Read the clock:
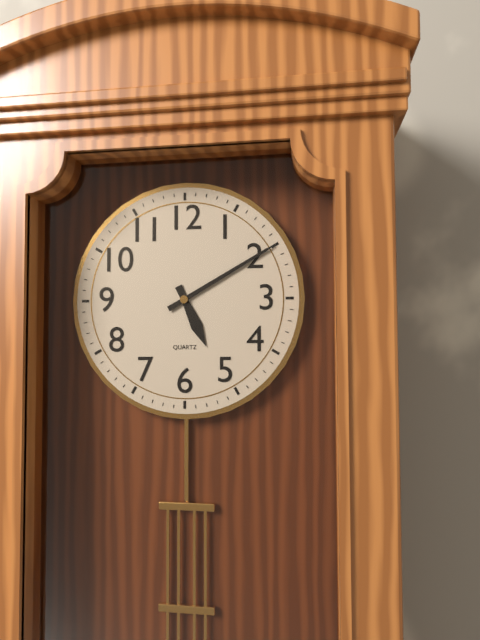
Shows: 5:10
